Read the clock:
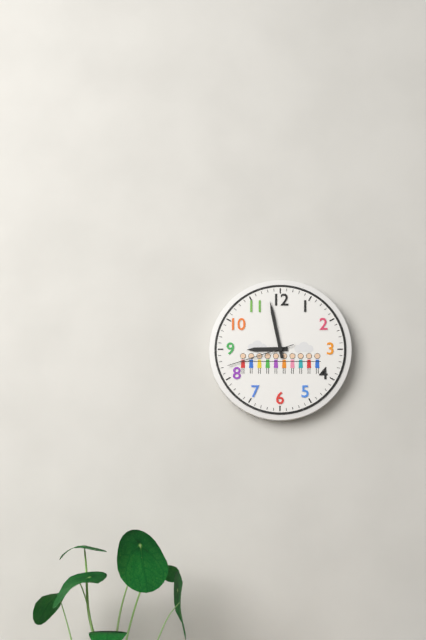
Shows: 8:58:42
